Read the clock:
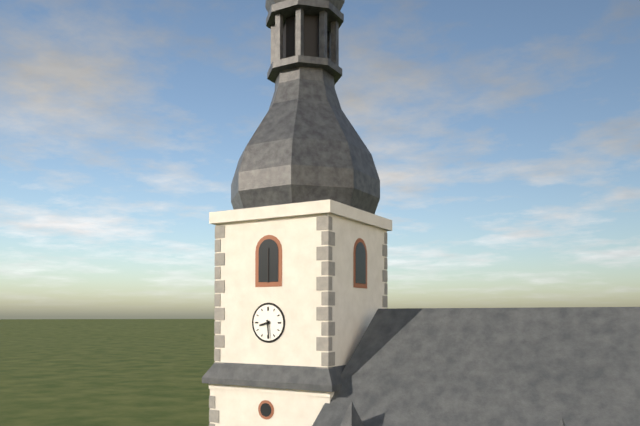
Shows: 8:29
